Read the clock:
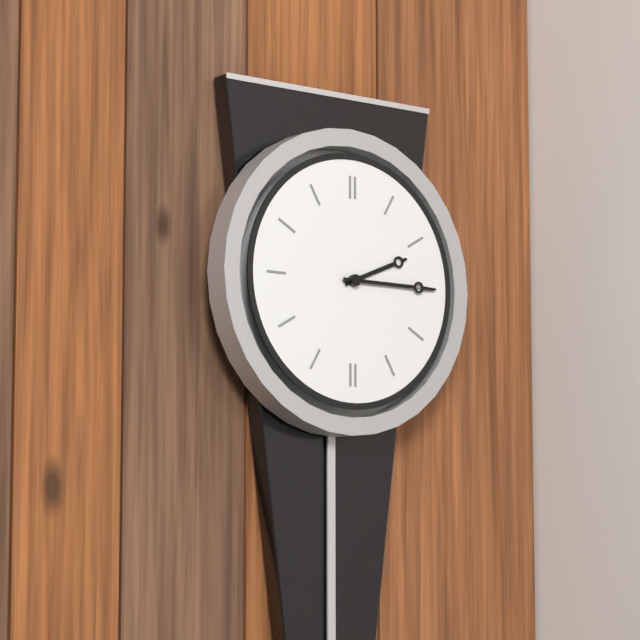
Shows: 2:15
